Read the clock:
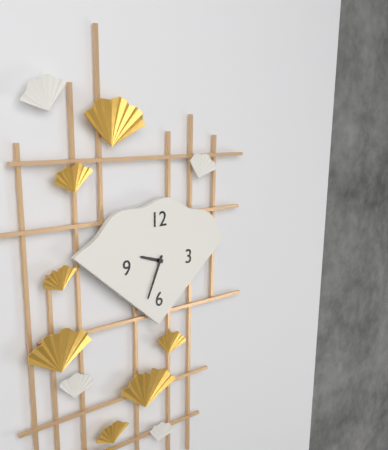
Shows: 9:34
